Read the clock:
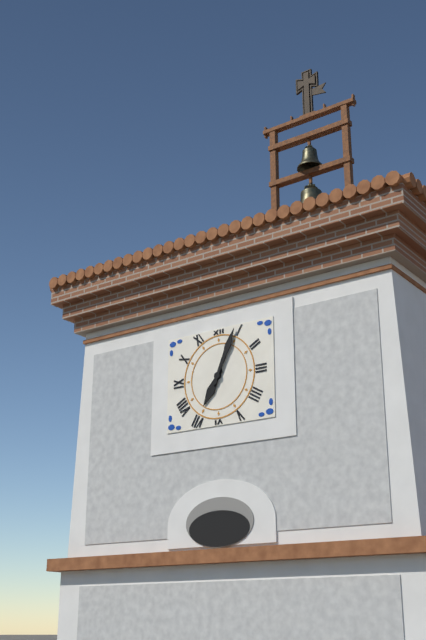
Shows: 7:04
